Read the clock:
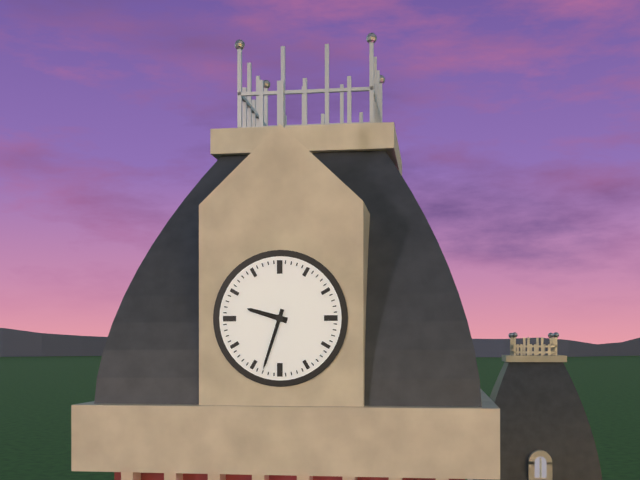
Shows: 9:33
